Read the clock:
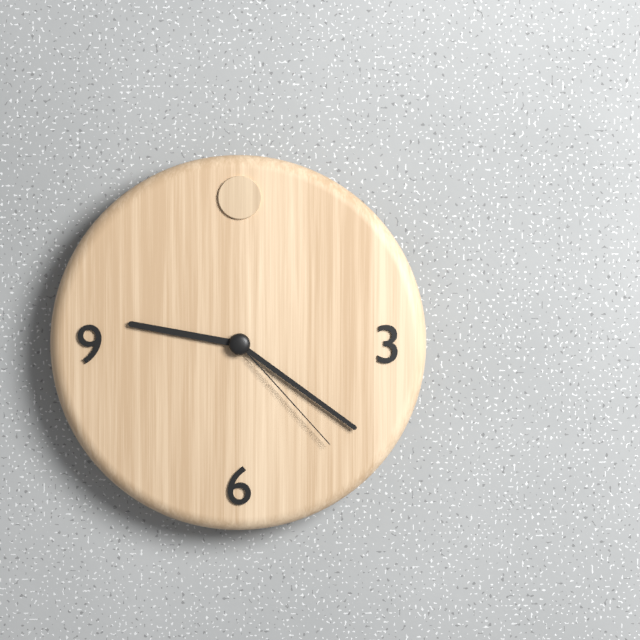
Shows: 9:21:23
